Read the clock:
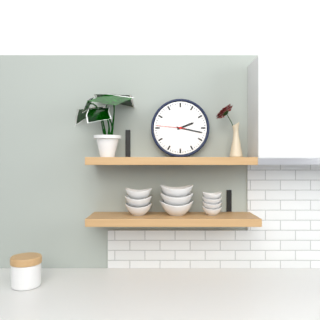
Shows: 2:17
